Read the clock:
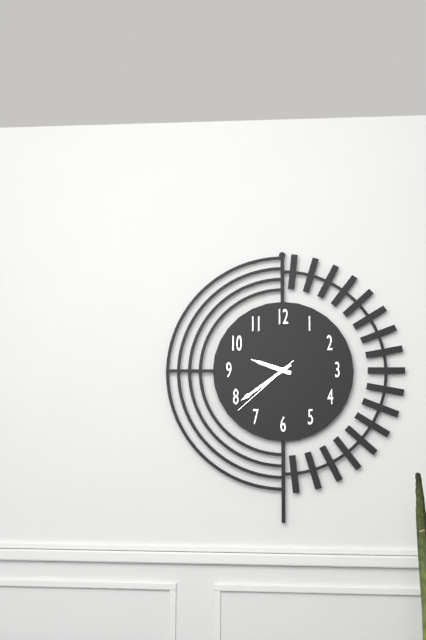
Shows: 9:39:38
